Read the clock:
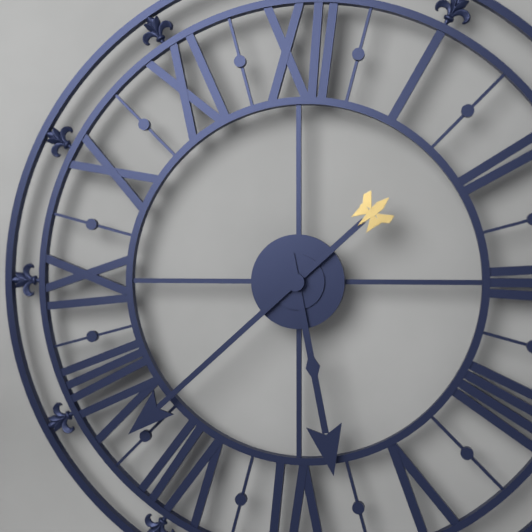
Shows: 5:38
